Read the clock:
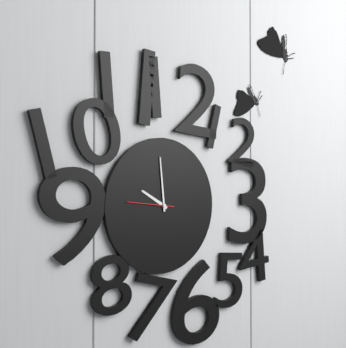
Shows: 9:59
